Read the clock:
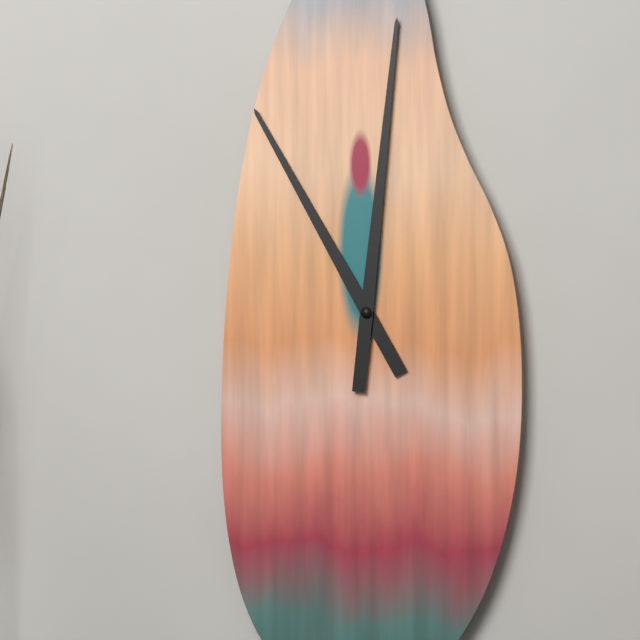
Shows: 11:01
